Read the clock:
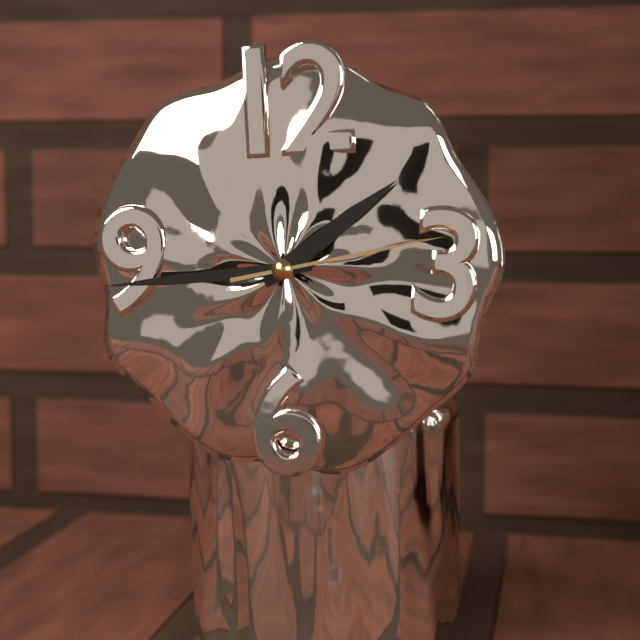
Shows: 1:44:13
